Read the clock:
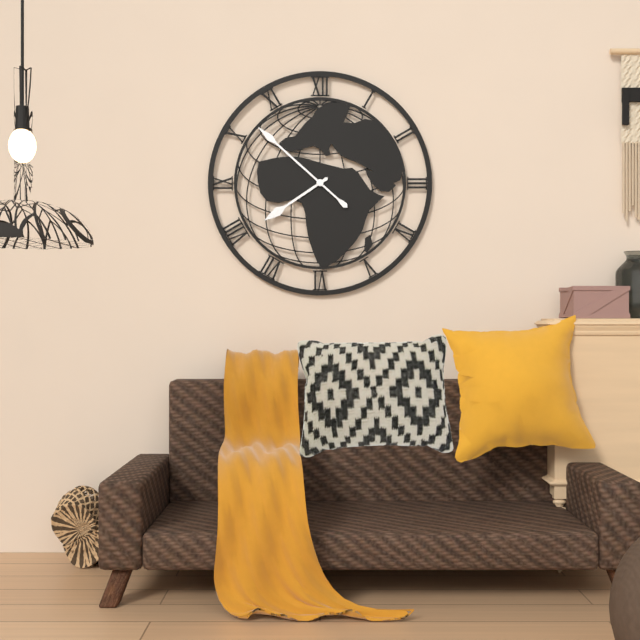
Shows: 7:52
